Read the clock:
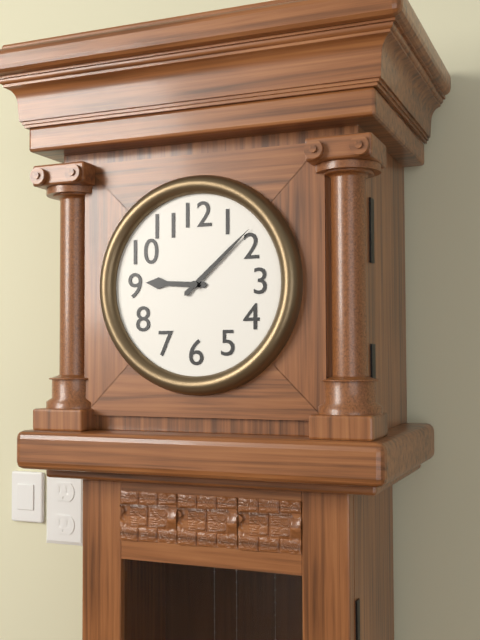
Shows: 9:08
